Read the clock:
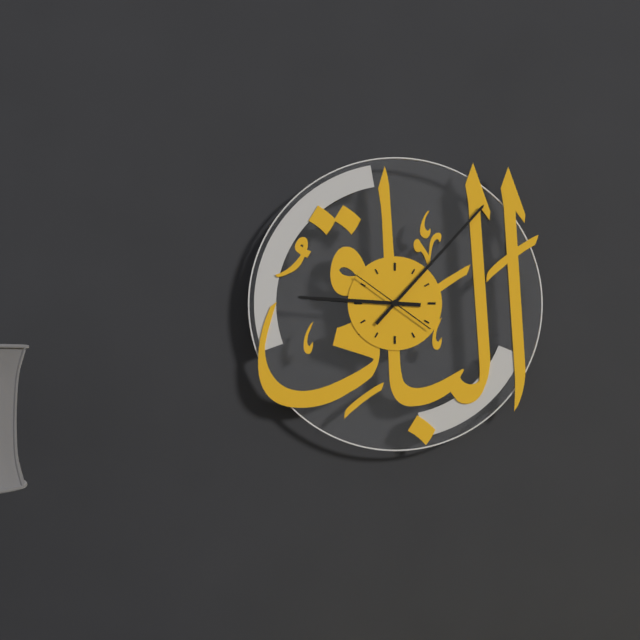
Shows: 9:07:51
